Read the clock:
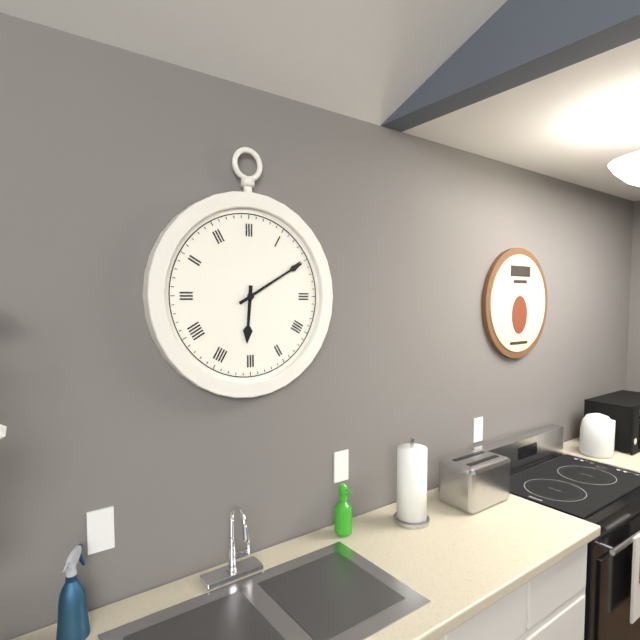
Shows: 6:10
